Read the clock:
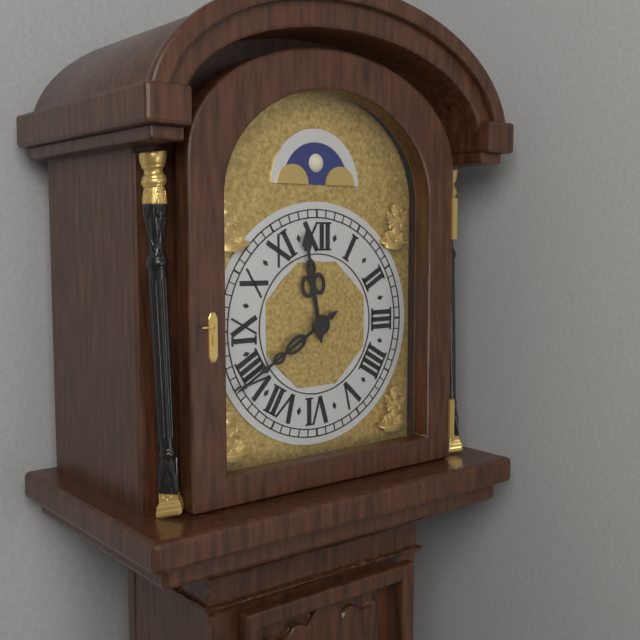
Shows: 11:40
